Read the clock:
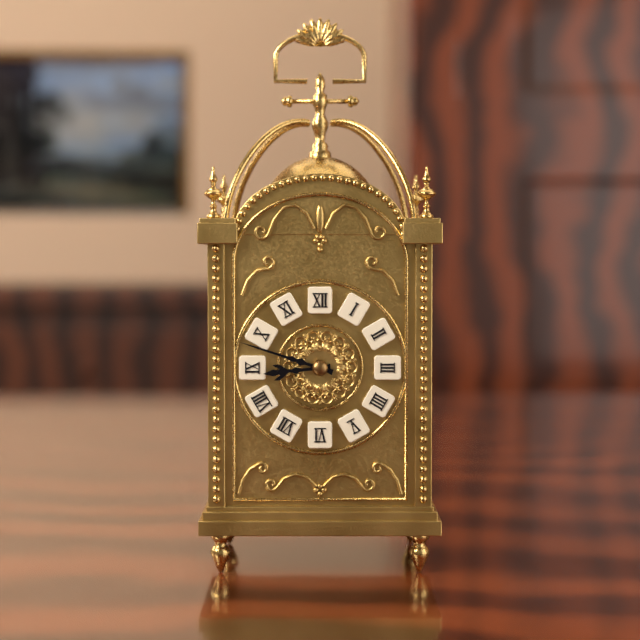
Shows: 8:48
